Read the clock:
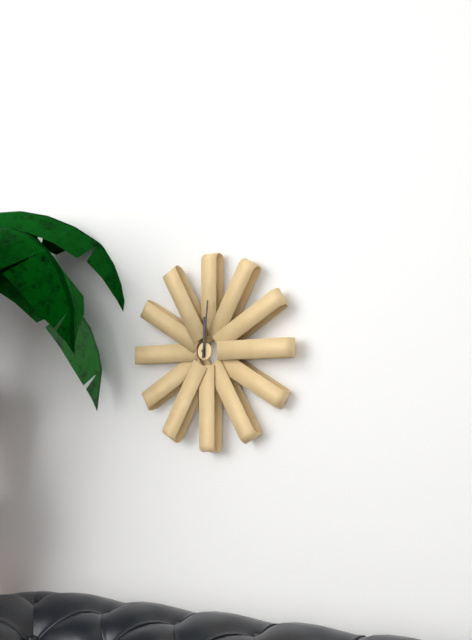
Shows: 12:01
